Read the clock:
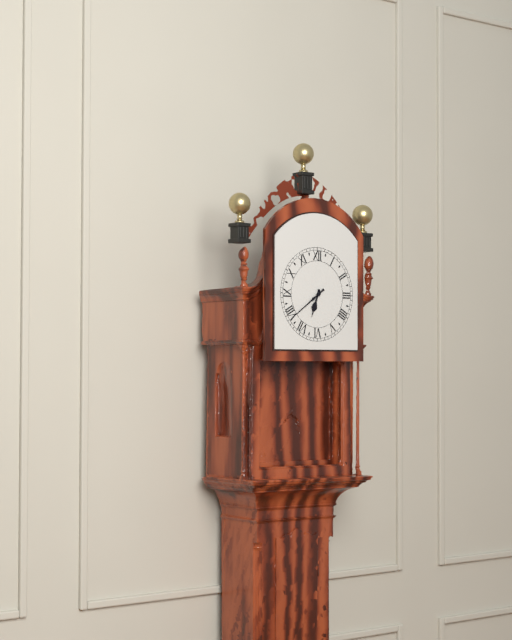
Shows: 6:39
